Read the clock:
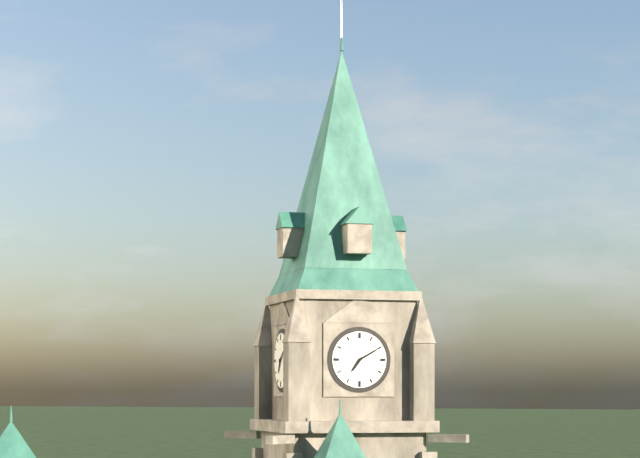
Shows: 7:10
